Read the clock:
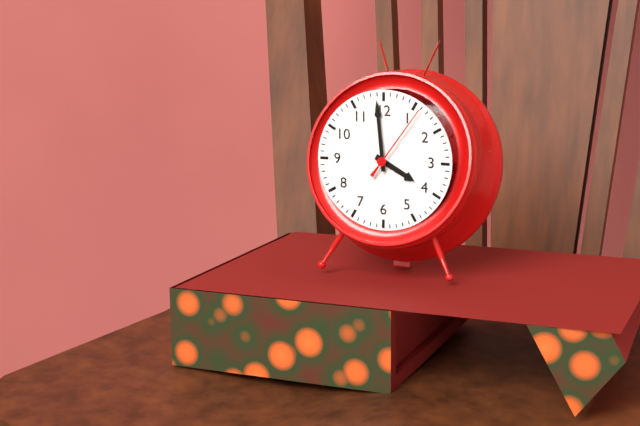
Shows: 3:59:06
